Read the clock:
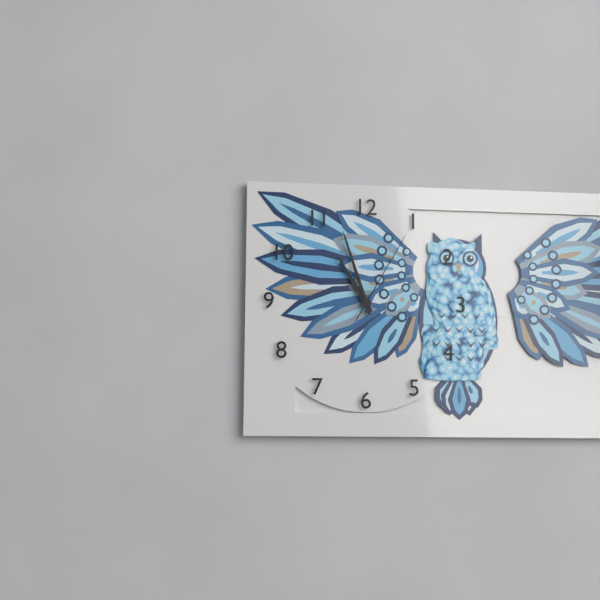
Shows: 10:57:05
